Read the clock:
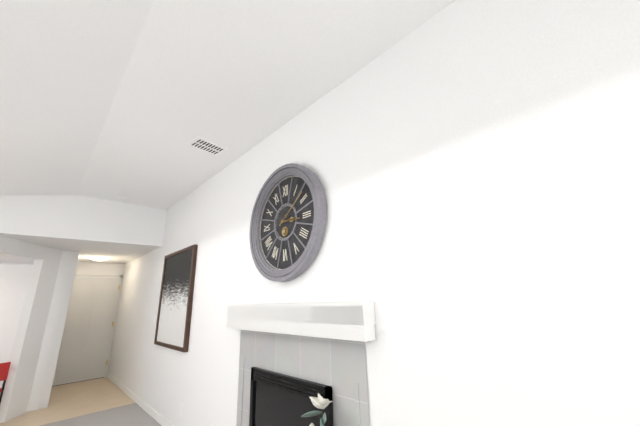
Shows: 3:09
